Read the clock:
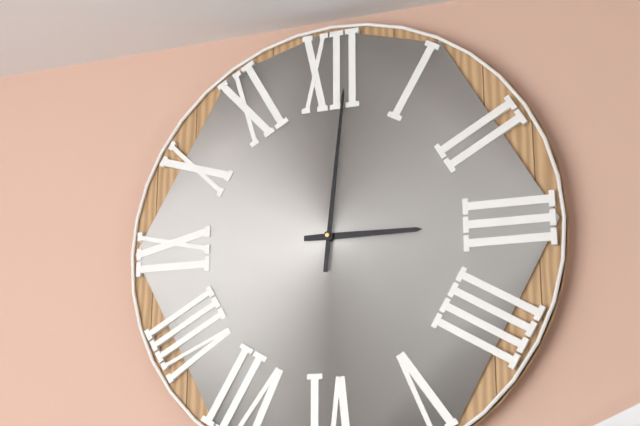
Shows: 3:01
